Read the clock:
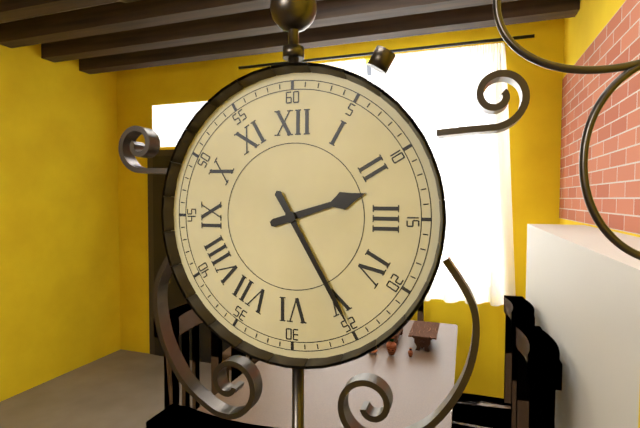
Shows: 2:25
